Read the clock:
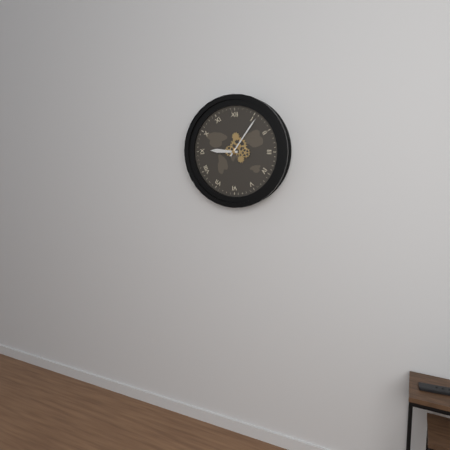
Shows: 9:06
